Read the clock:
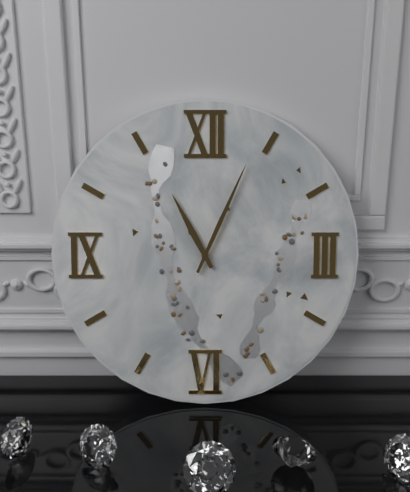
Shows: 11:04
